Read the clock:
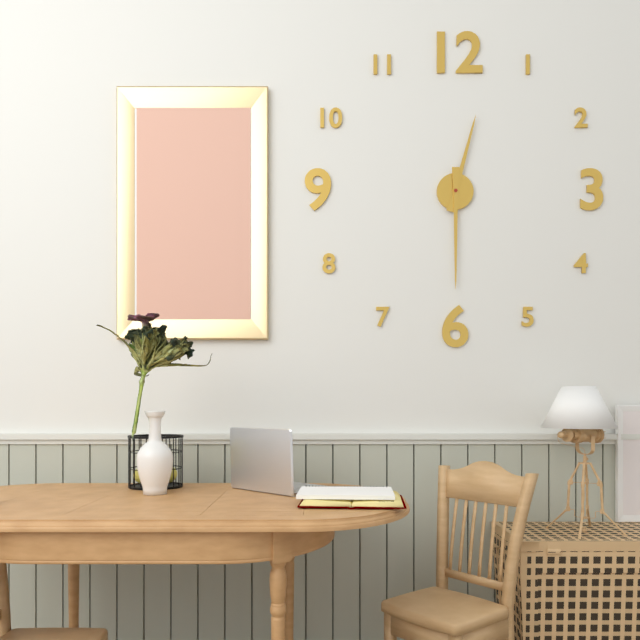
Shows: 12:30
